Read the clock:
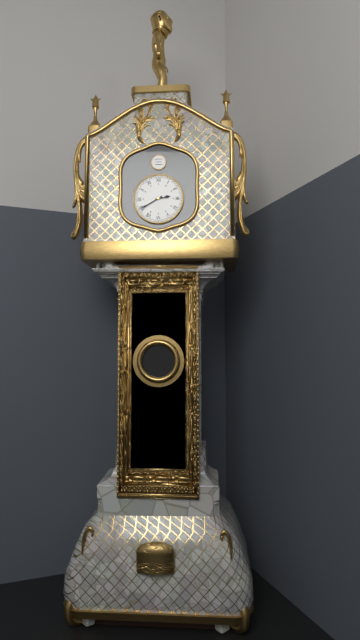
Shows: 2:40
